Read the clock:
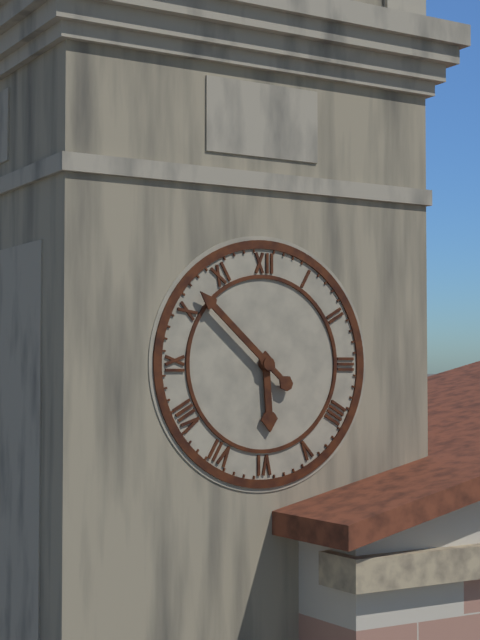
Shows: 5:52
